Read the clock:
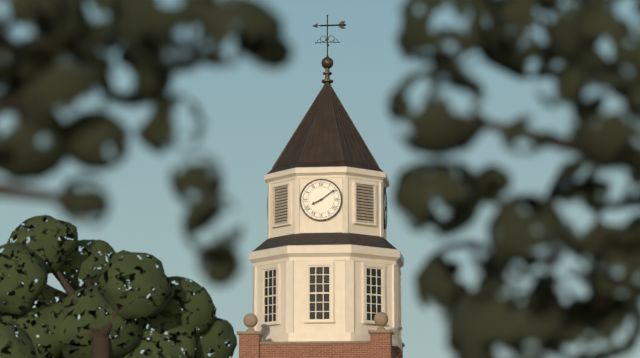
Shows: 8:09
